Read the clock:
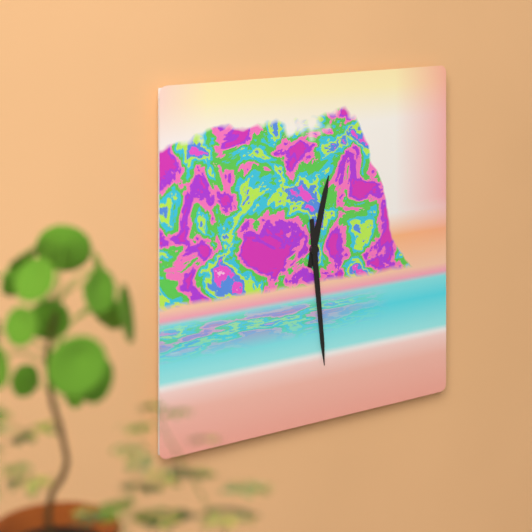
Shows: 12:29
